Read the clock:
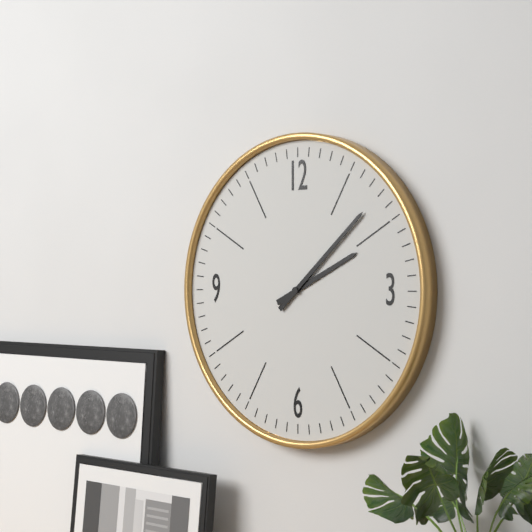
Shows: 2:08
